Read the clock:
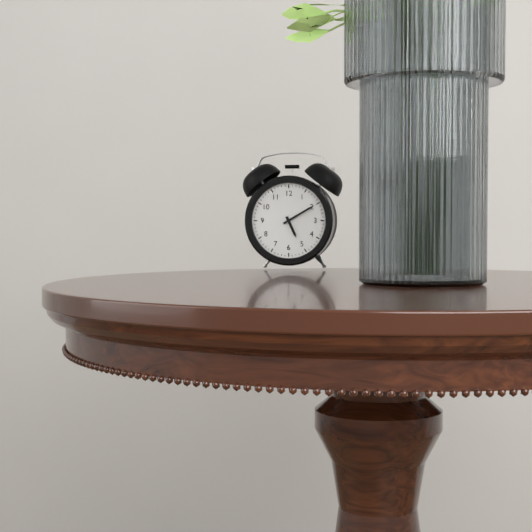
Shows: 5:10
